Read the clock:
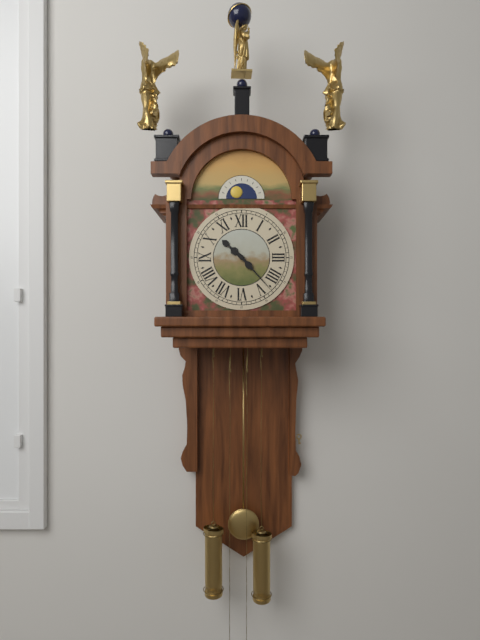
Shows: 10:23
